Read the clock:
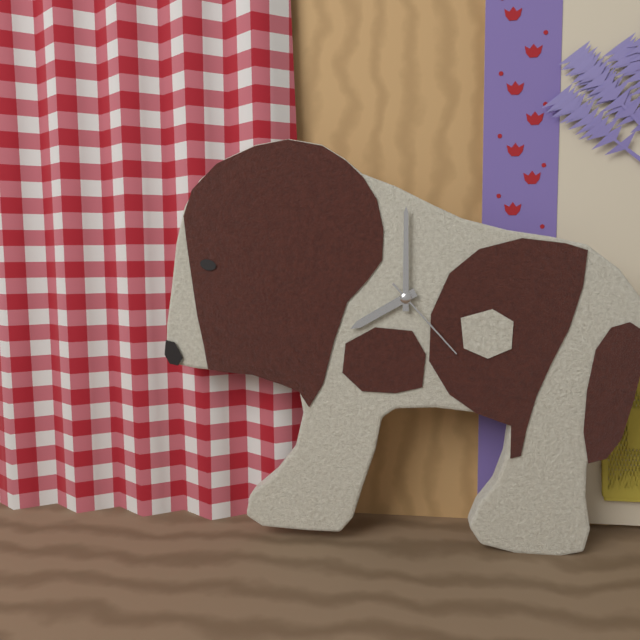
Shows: 8:00:23
